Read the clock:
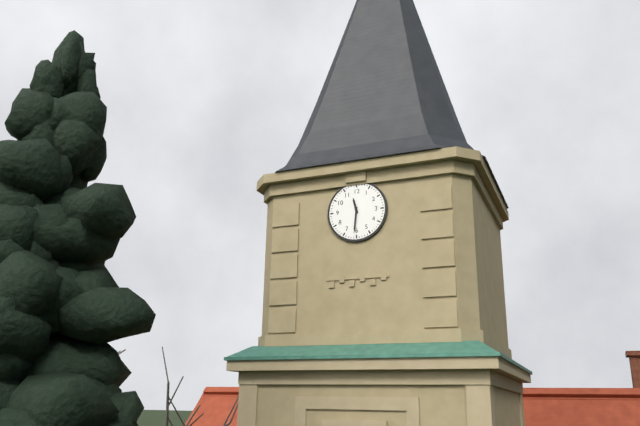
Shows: 11:31
